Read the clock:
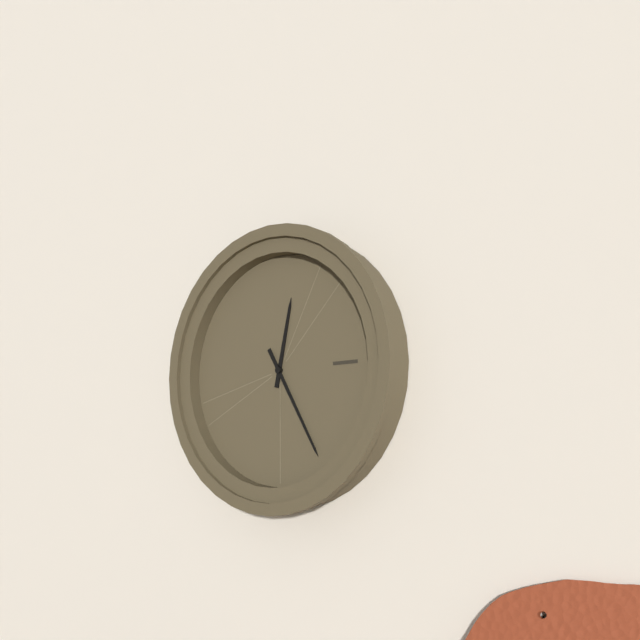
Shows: 12:25
